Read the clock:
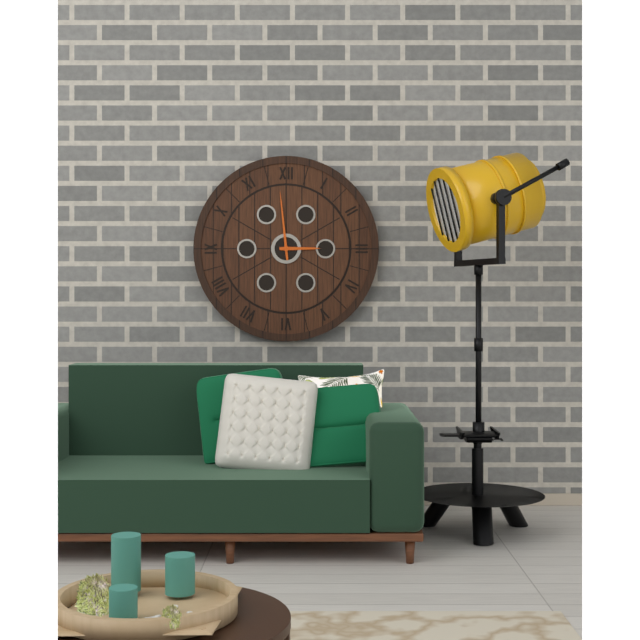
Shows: 2:59
